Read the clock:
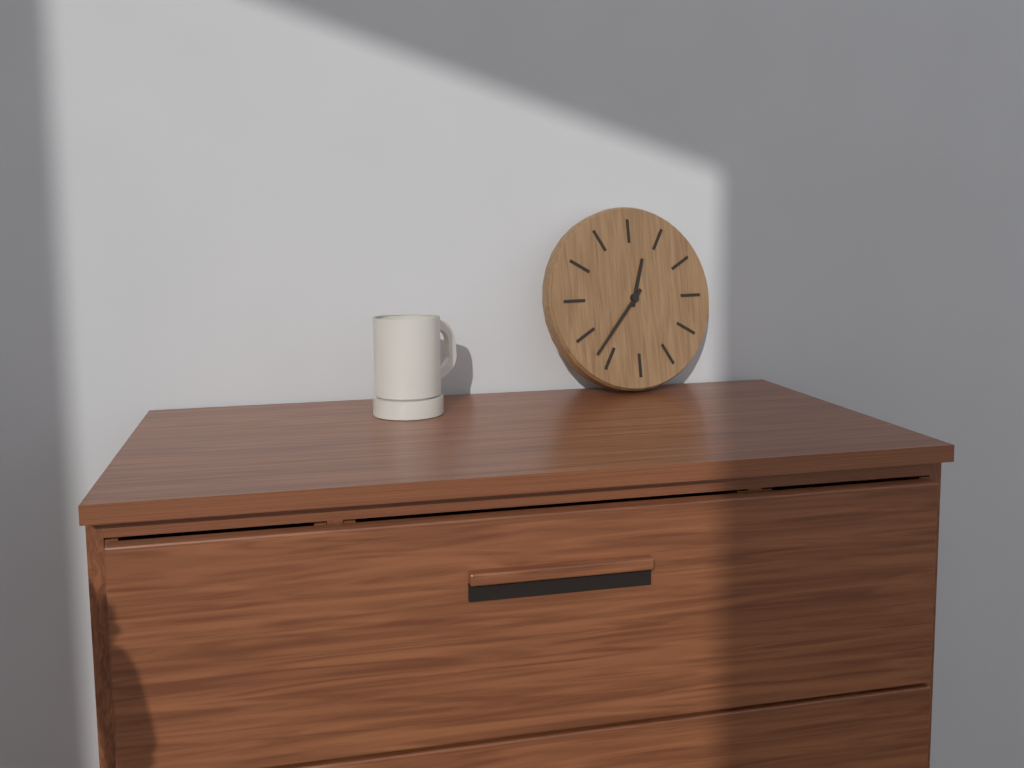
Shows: 12:37
